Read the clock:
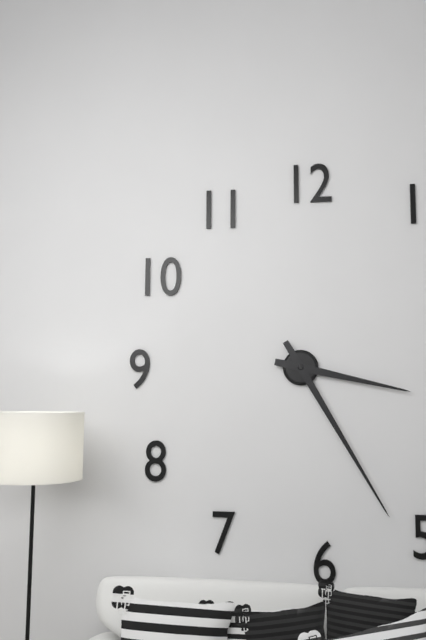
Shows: 3:25
